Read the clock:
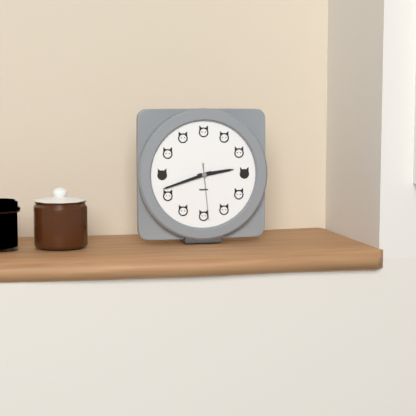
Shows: 2:42:29
